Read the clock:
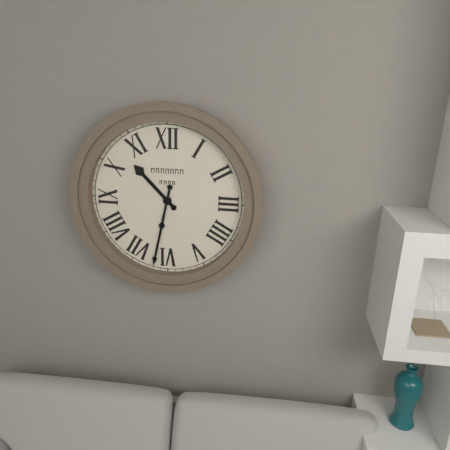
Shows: 10:32
